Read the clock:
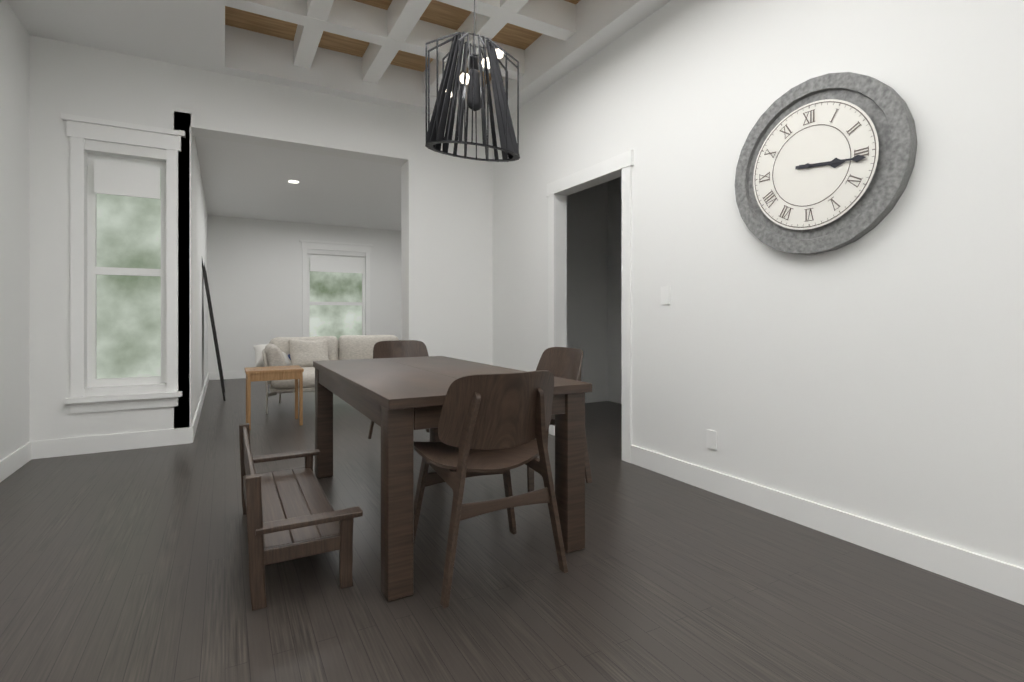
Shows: 3:16
